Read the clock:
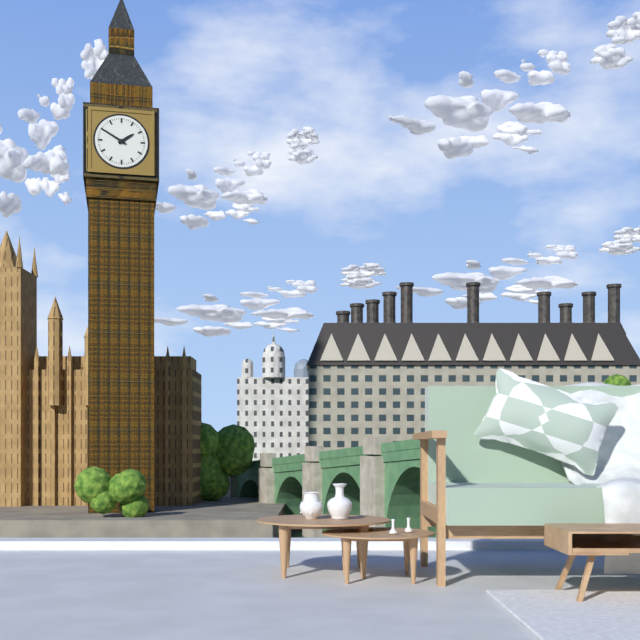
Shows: 1:50
